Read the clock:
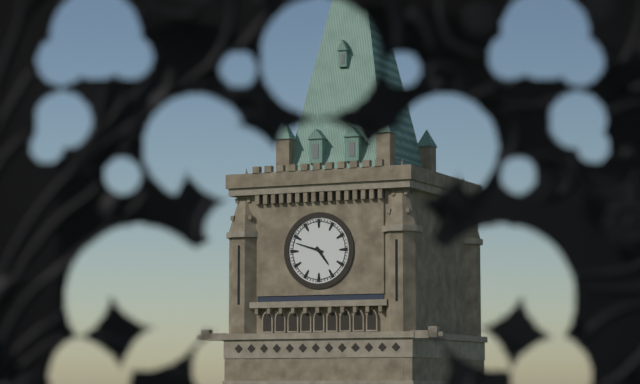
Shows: 4:48
